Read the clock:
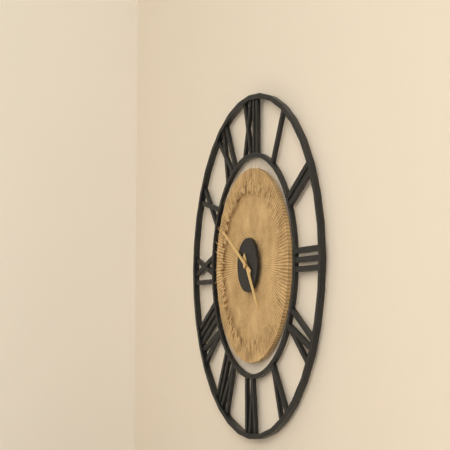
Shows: 4:50
